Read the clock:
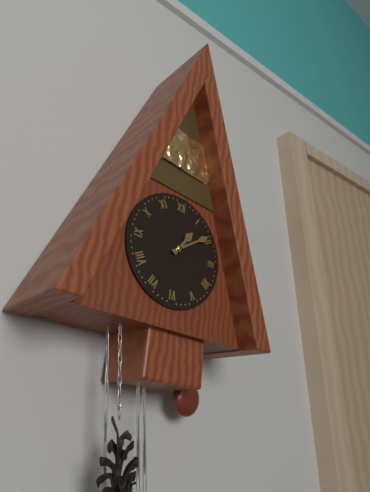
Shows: 1:09
